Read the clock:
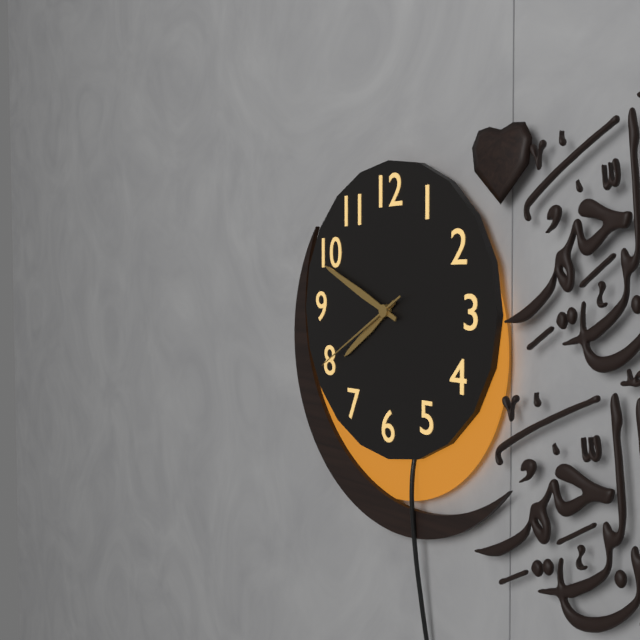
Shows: 7:49:40
